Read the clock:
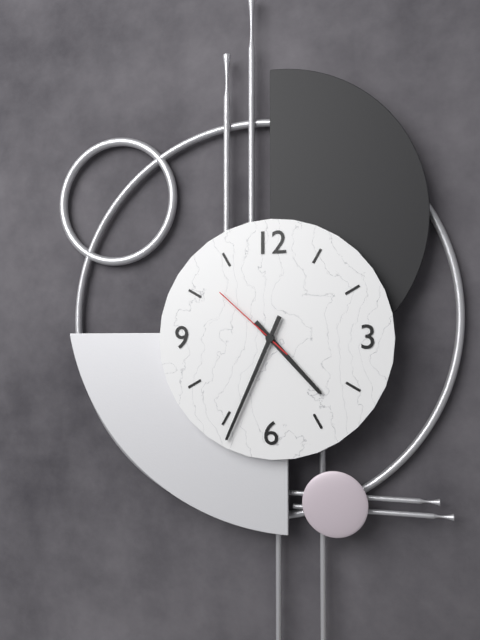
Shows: 4:34:52
